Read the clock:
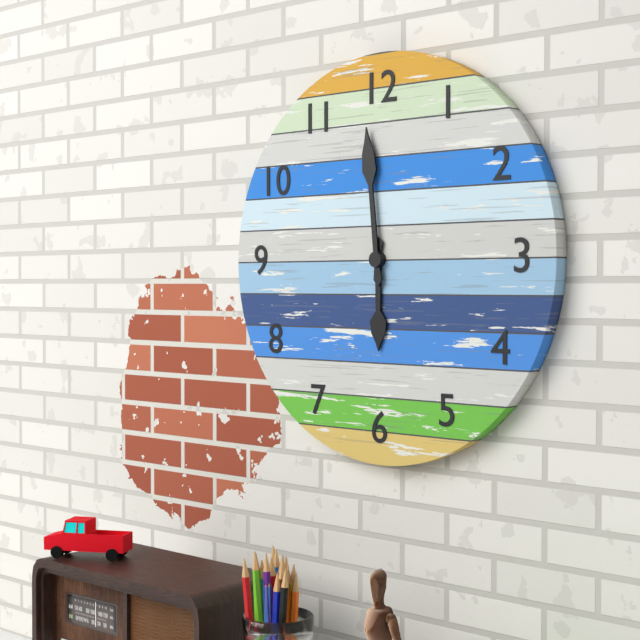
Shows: 5:59
